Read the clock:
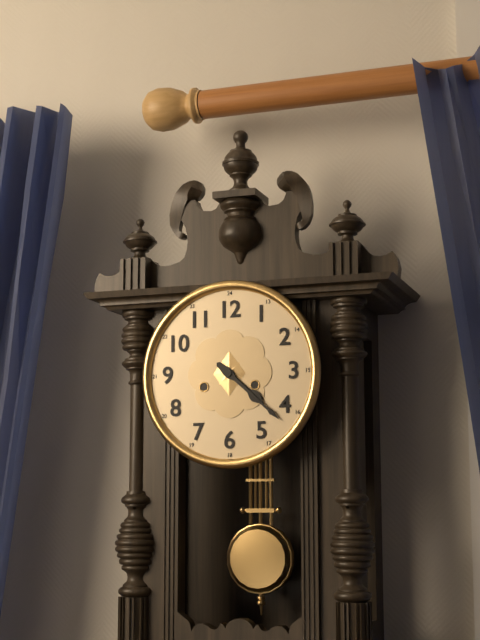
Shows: 4:22
